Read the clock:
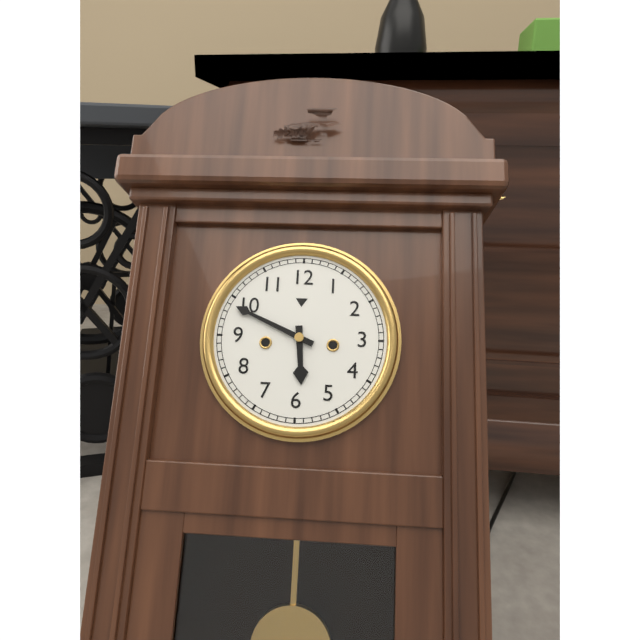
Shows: 5:49
